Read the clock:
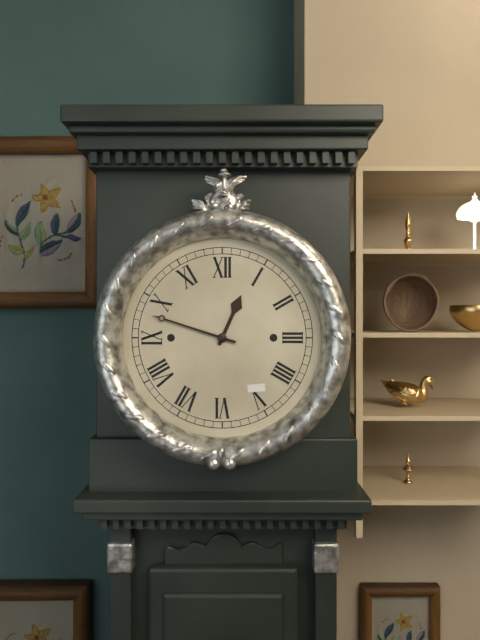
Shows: 12:48
